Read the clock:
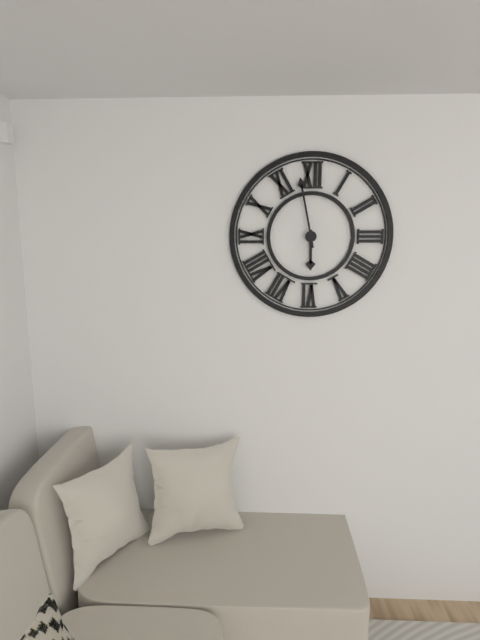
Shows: 5:58
